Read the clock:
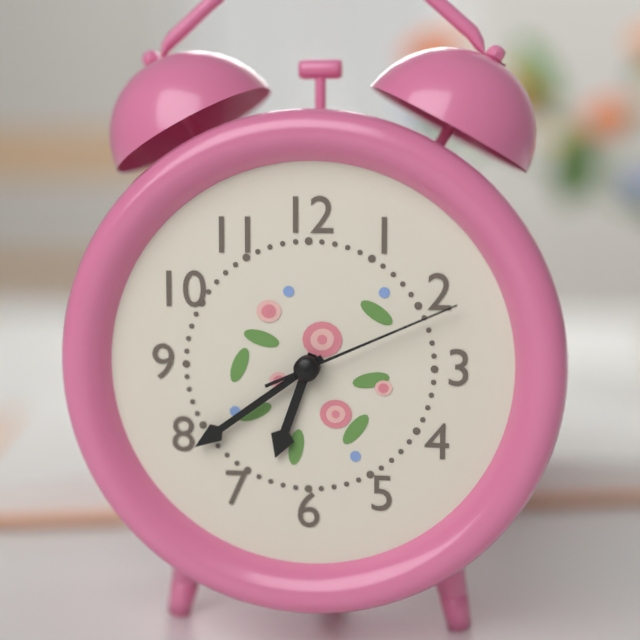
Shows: 6:39:11
